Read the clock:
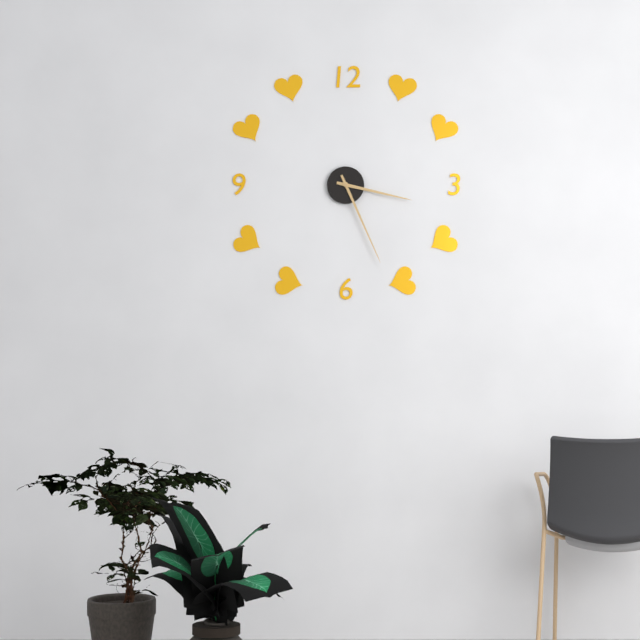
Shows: 3:26
